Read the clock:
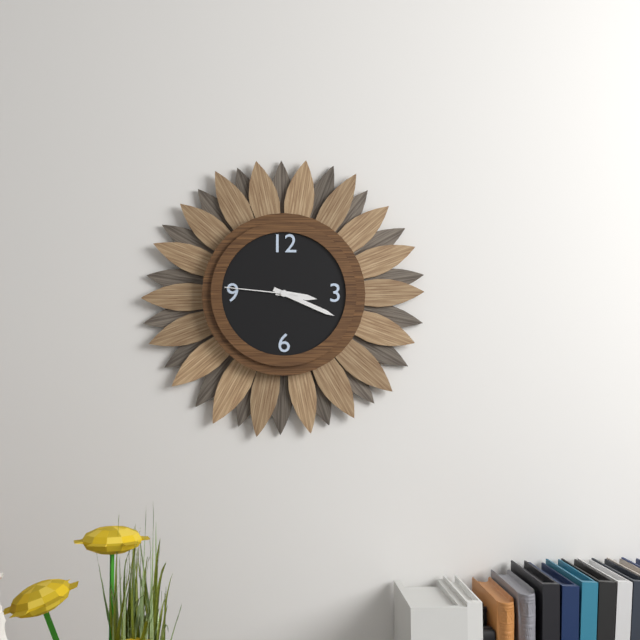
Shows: 3:19:46
